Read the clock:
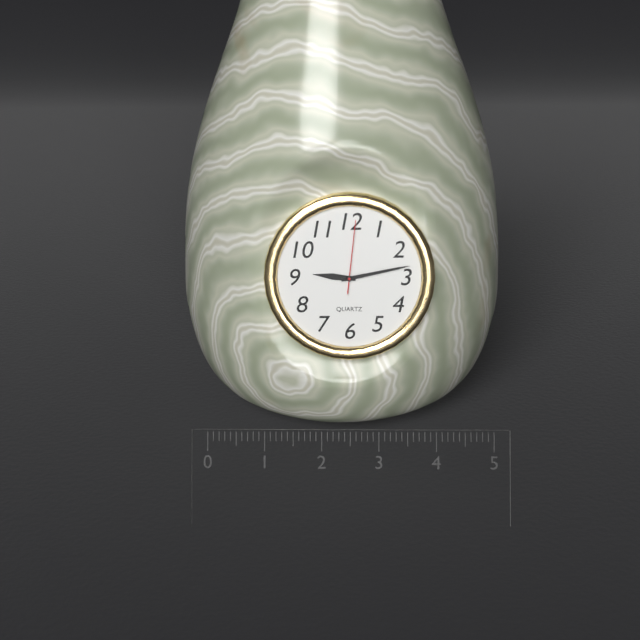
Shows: 9:13:01
